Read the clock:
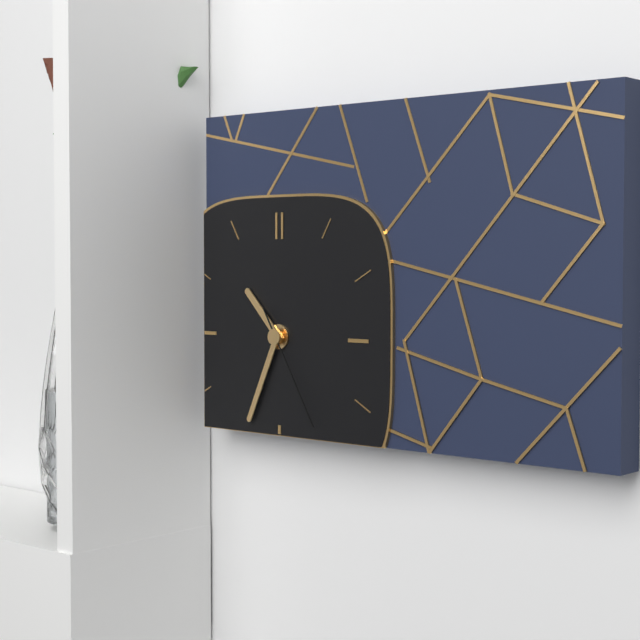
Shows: 10:34:25
